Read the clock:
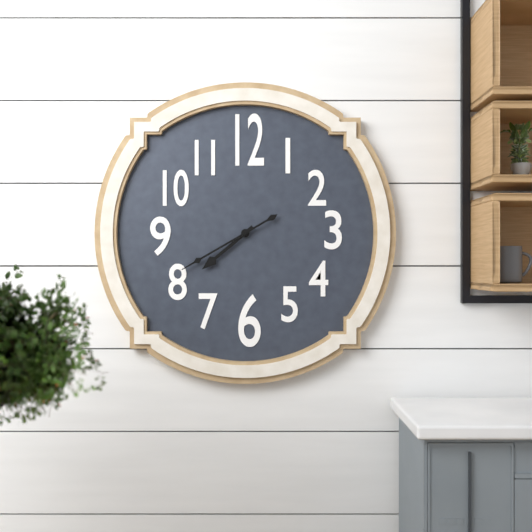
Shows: 7:40
